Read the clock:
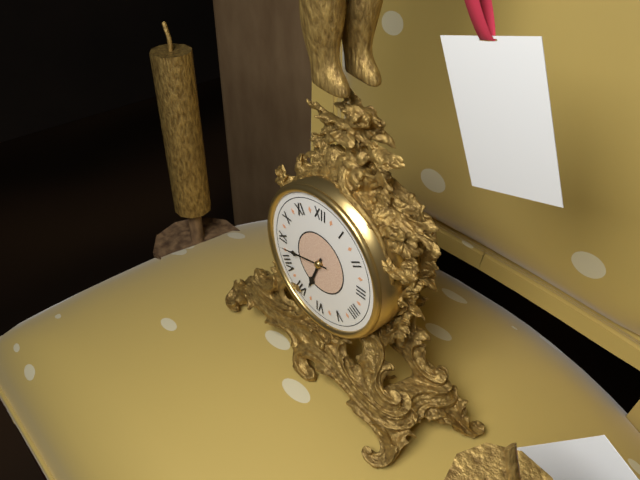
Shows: 6:43
